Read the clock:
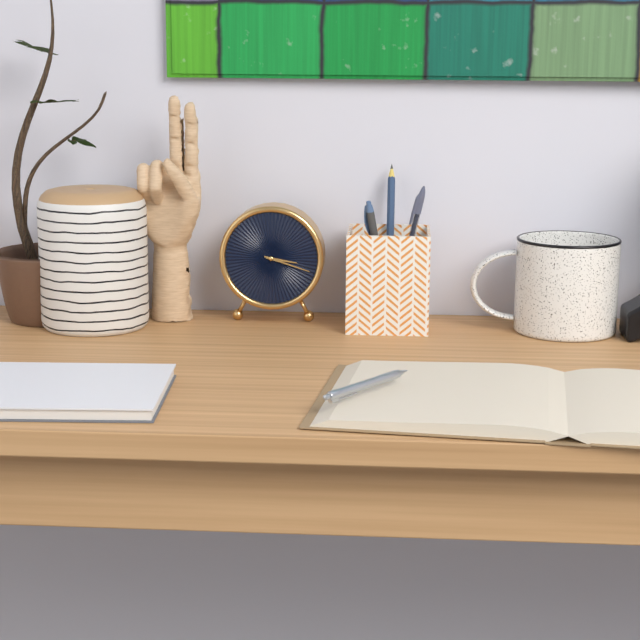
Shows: 3:18
